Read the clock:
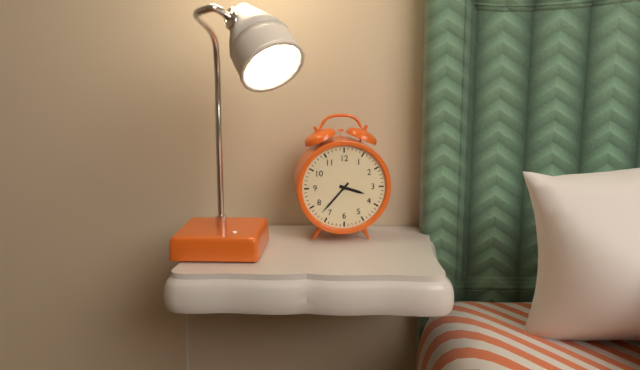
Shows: 3:37
